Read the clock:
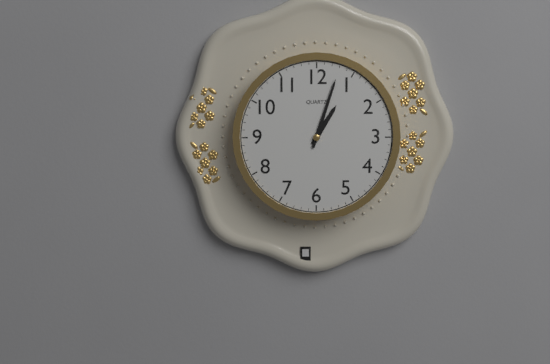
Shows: 1:03
